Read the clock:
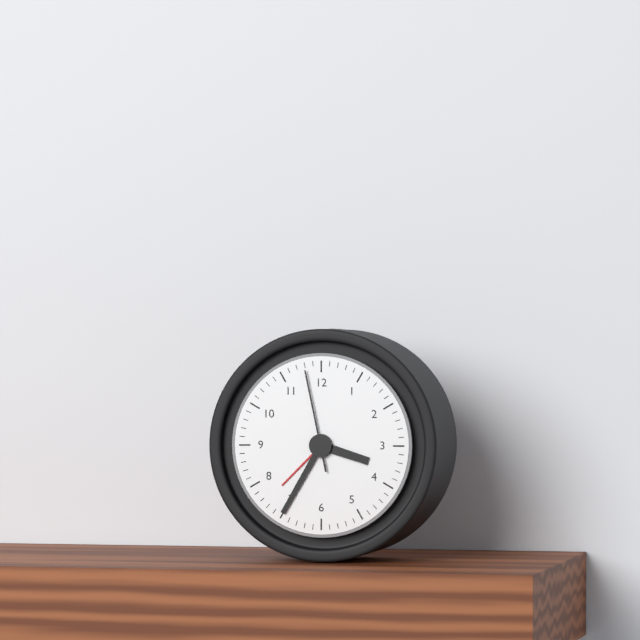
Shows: 3:35:58
